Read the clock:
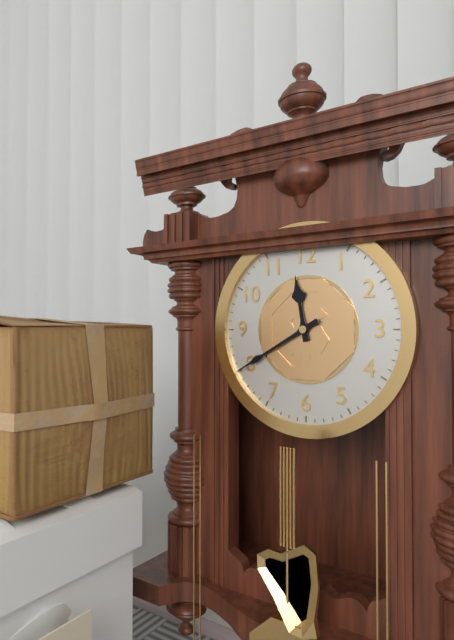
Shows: 11:40
